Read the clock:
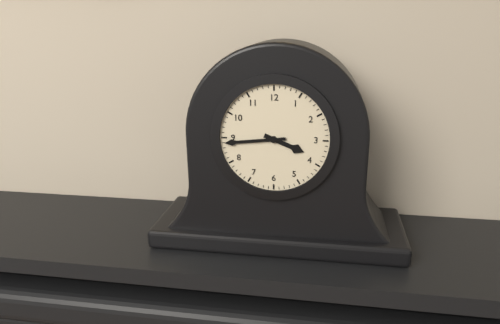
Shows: 3:44
